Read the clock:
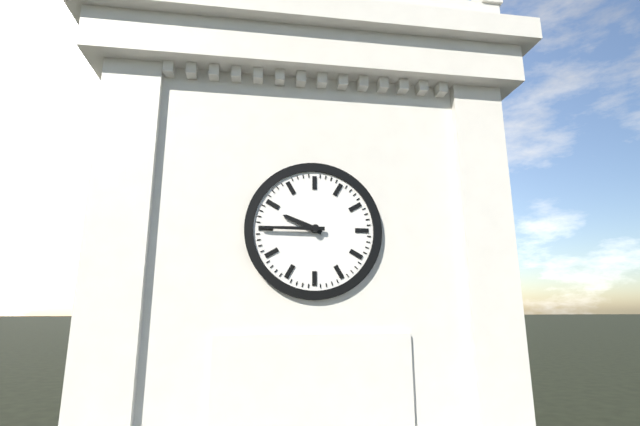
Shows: 9:45
